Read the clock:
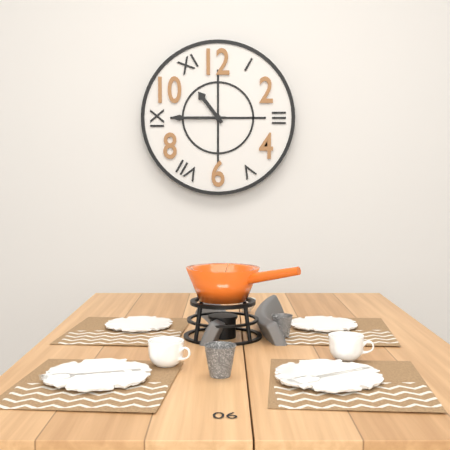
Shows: 10:45
